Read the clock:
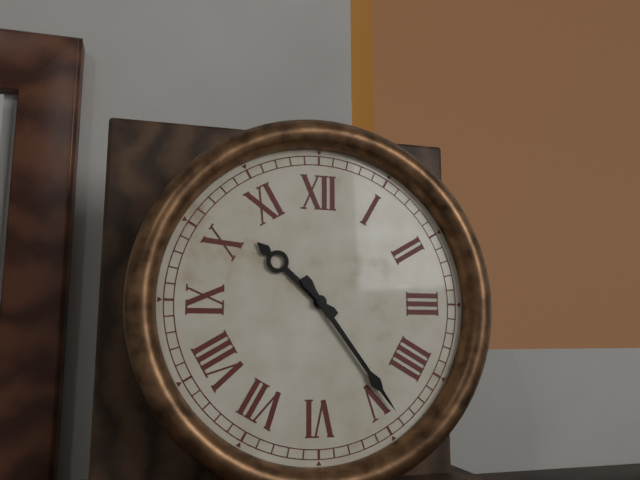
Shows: 10:24
